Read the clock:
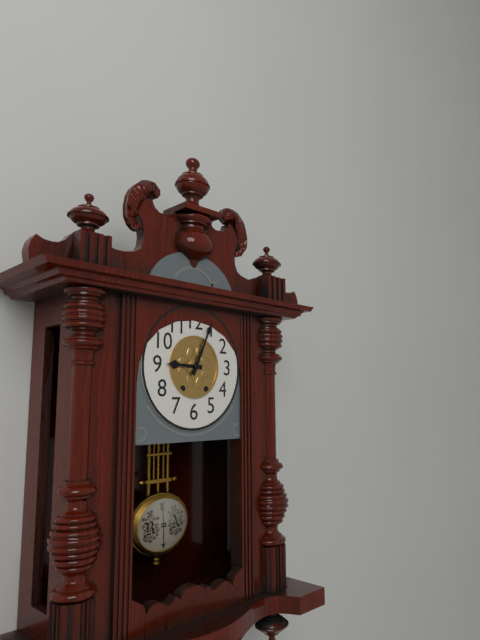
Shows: 9:04
